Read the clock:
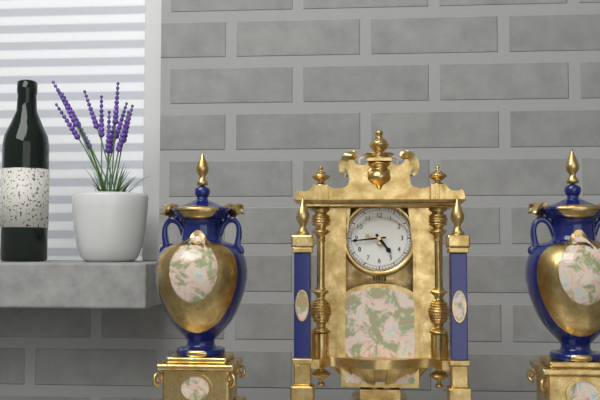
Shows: 4:44
